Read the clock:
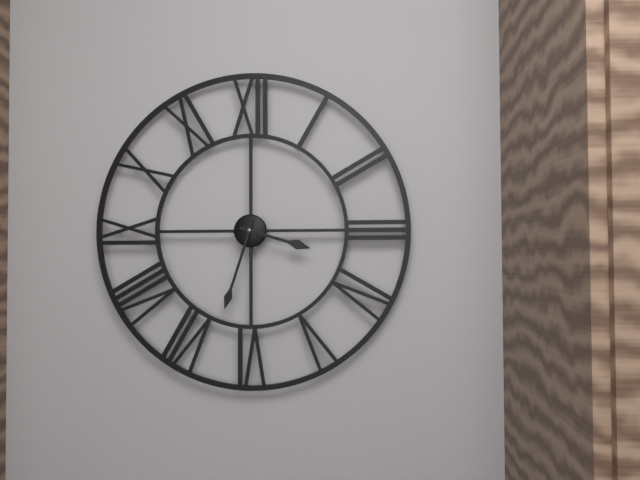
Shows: 3:33
